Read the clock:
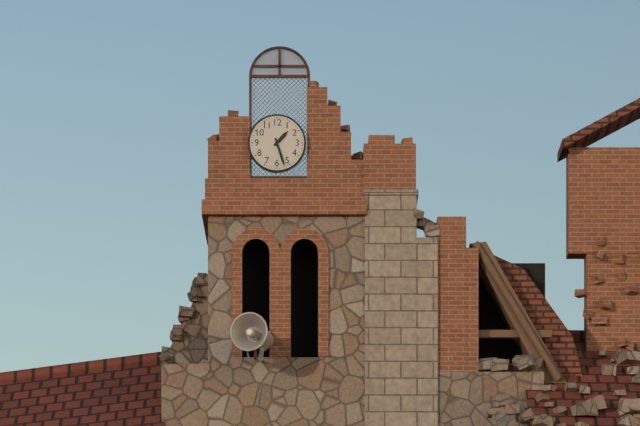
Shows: 1:27
